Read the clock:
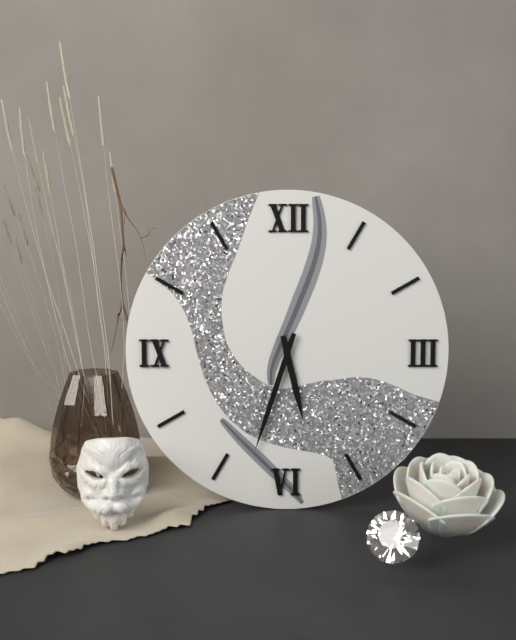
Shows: 5:33
